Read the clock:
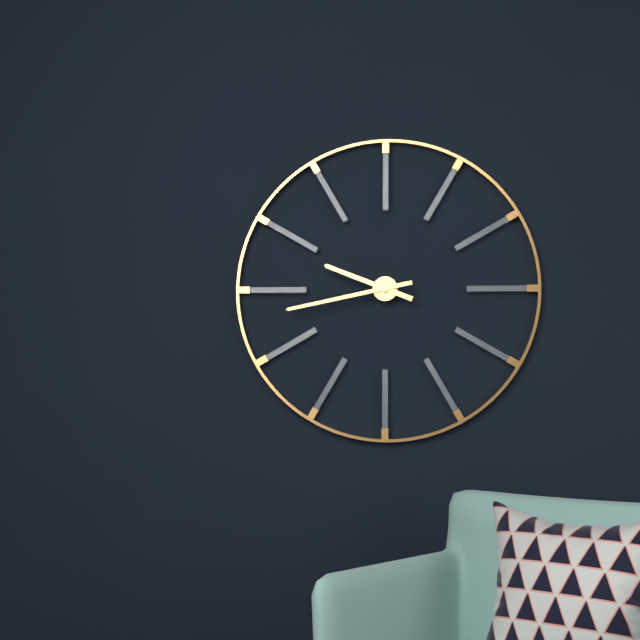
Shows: 9:43
